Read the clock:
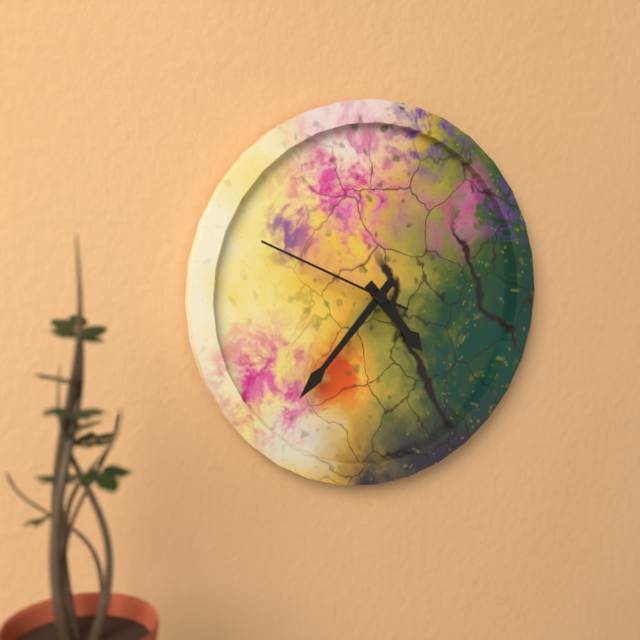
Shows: 4:37:49
